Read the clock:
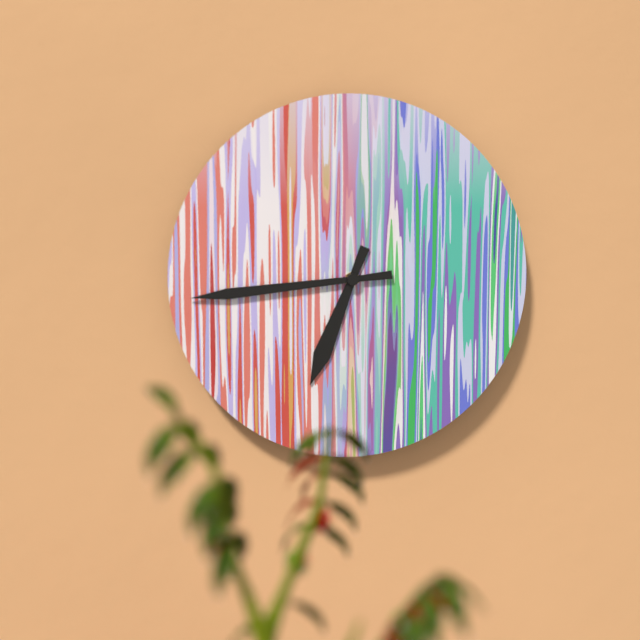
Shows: 6:44
